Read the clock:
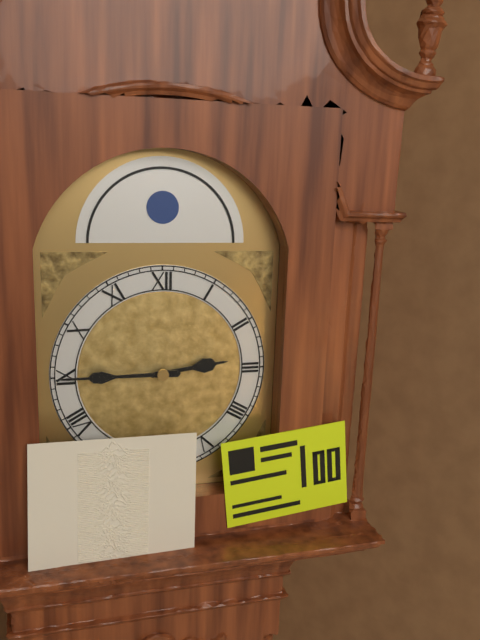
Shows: 2:45
